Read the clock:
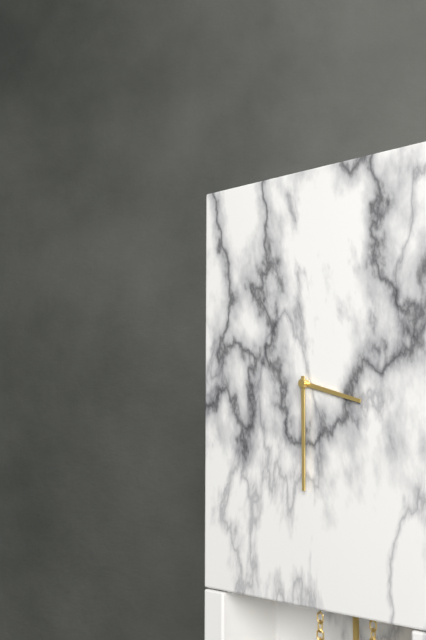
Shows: 3:30
